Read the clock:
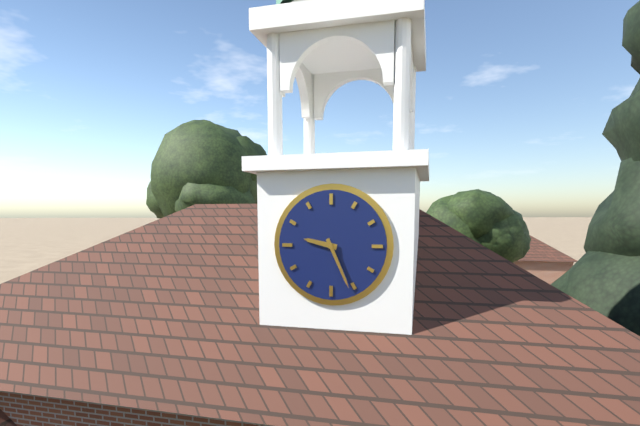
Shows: 9:26
